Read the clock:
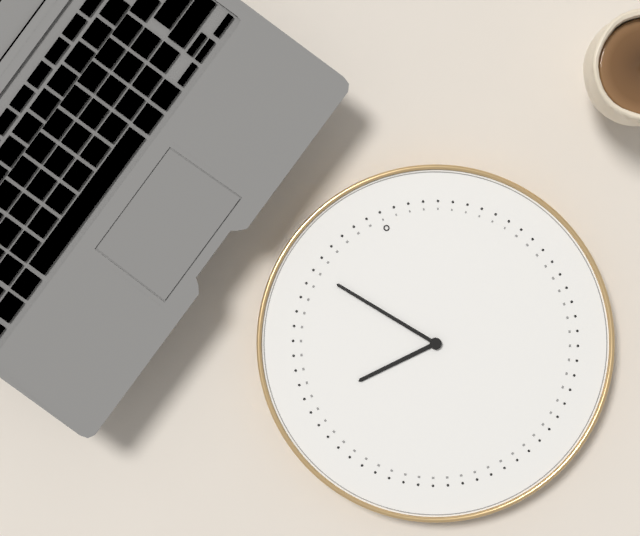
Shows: 8:54
